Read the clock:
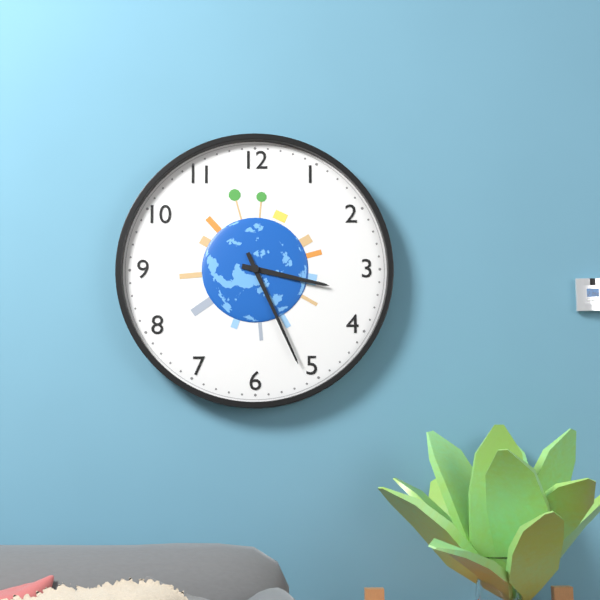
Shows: 3:26
